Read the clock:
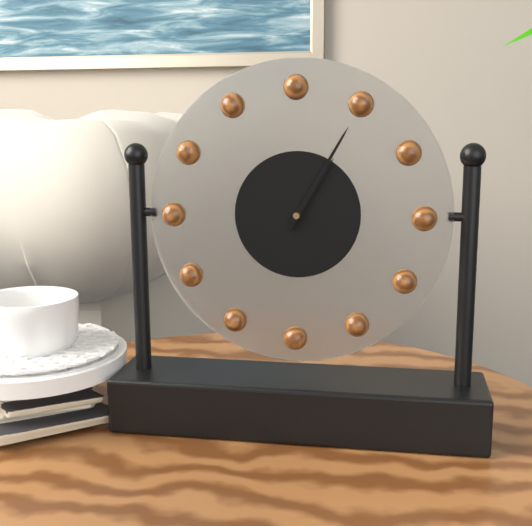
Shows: 1:05
